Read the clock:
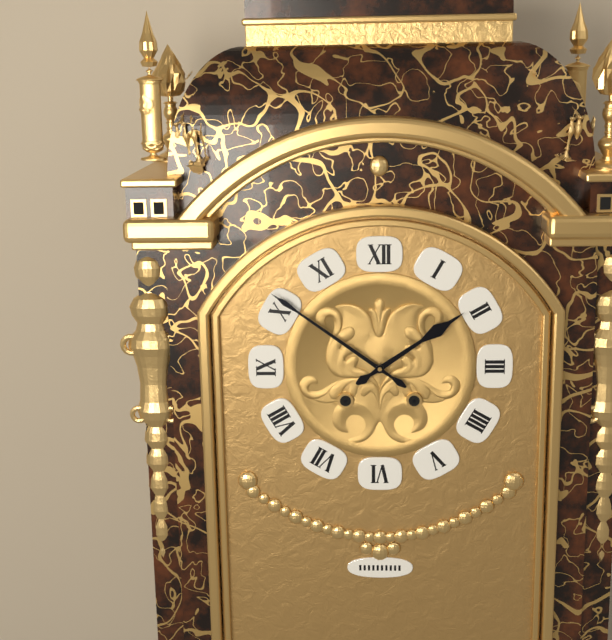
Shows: 1:51
